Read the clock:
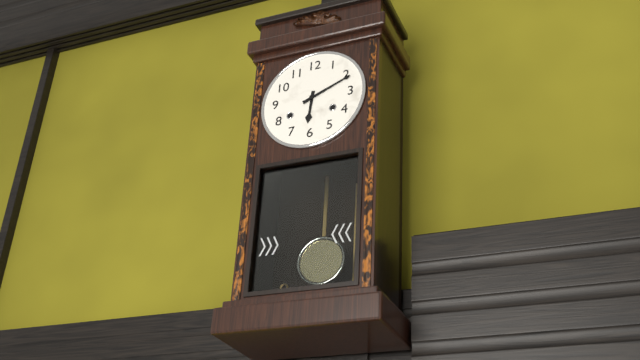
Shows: 6:11
